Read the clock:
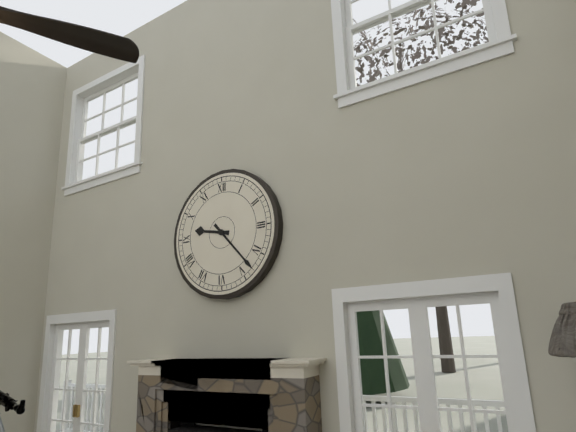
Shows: 9:23
